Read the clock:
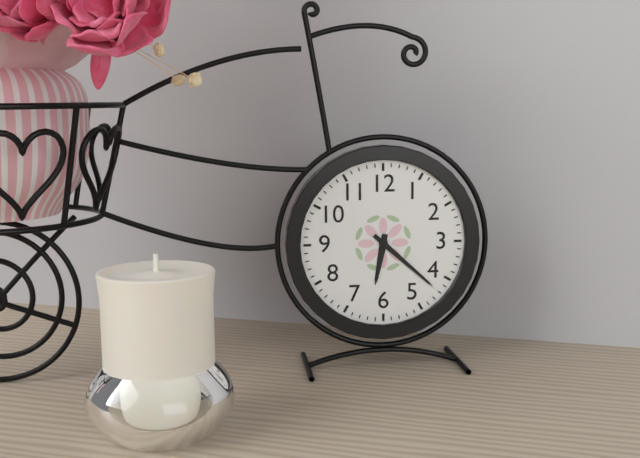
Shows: 6:22
